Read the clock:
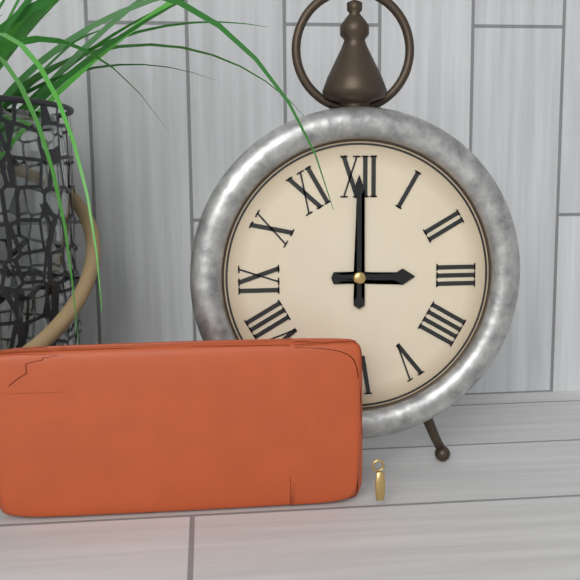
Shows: 3:00
